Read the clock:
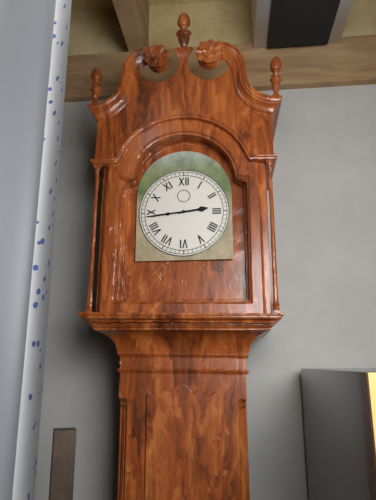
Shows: 2:44
